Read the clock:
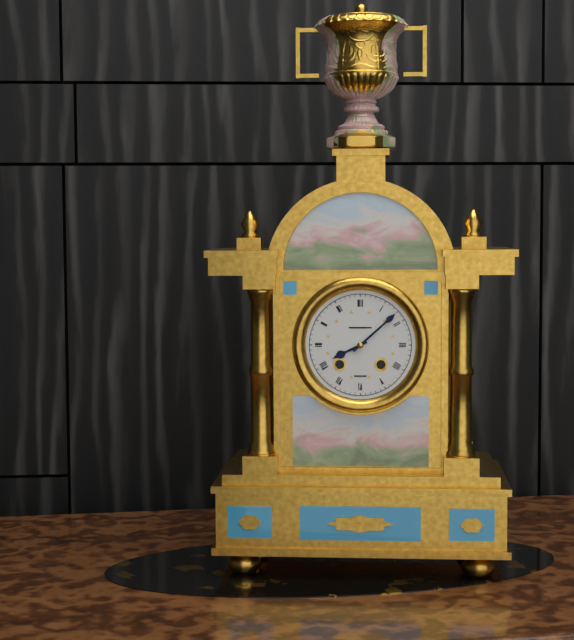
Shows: 8:08
